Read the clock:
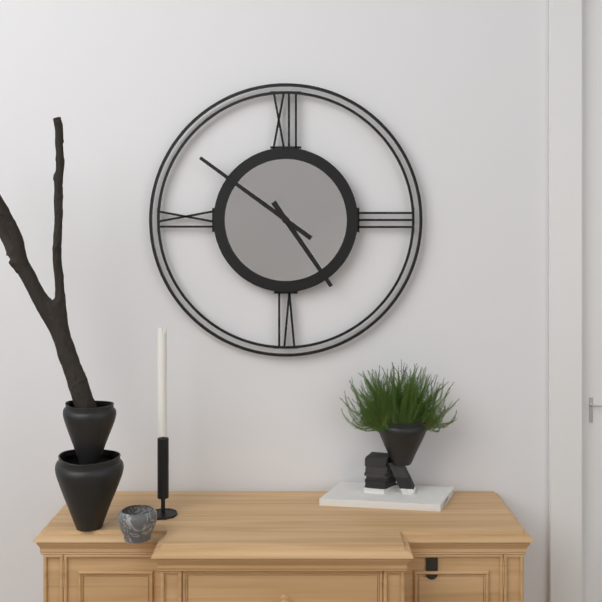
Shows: 4:51
